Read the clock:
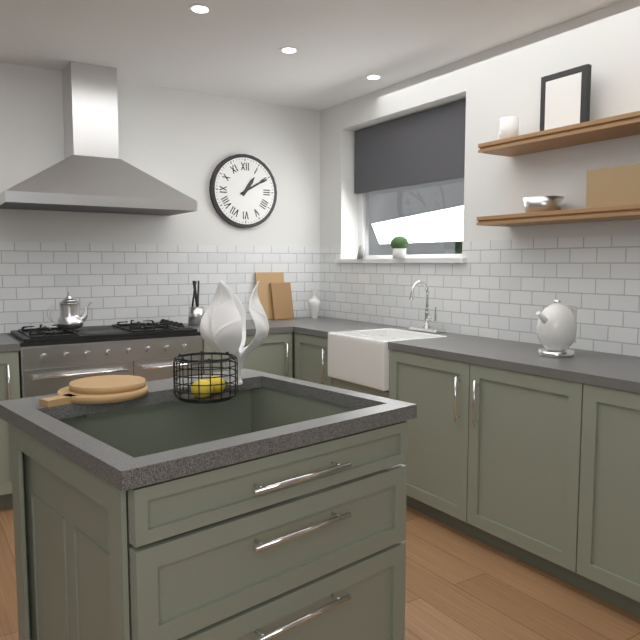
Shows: 1:10
